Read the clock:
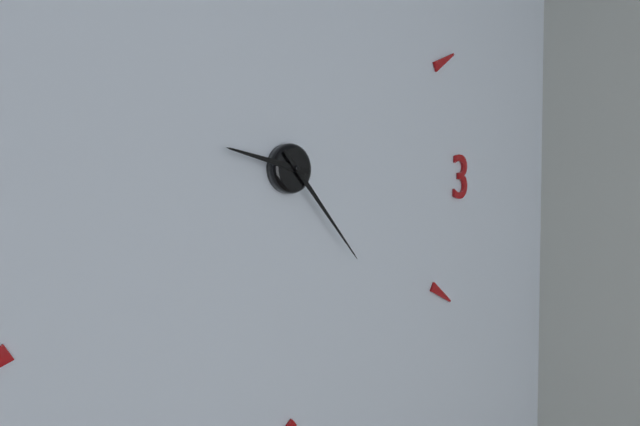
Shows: 9:23
